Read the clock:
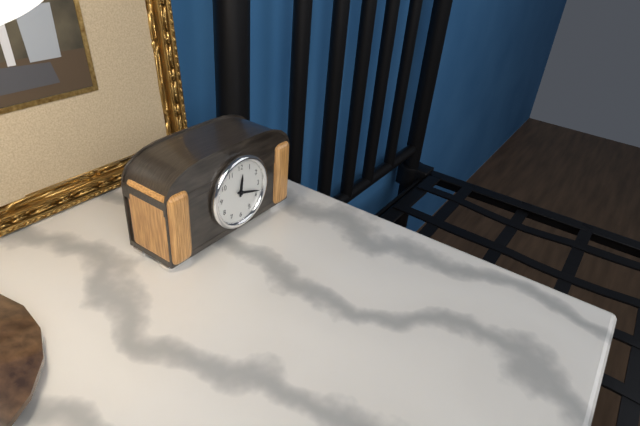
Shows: 12:18
